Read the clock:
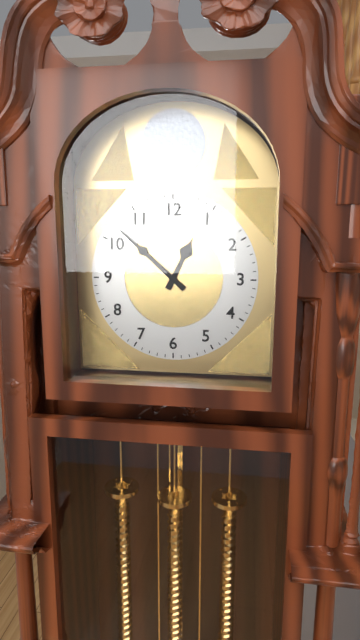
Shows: 12:52
